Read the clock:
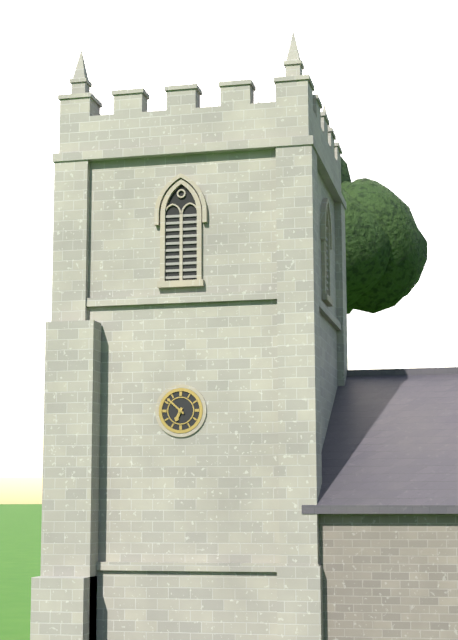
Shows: 6:52
